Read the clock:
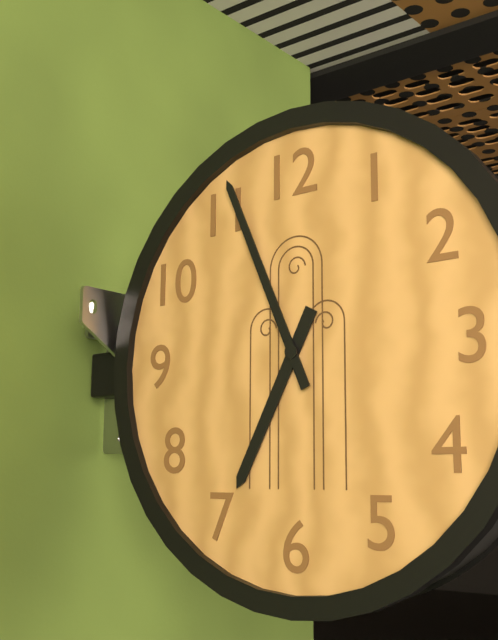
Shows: 6:56
